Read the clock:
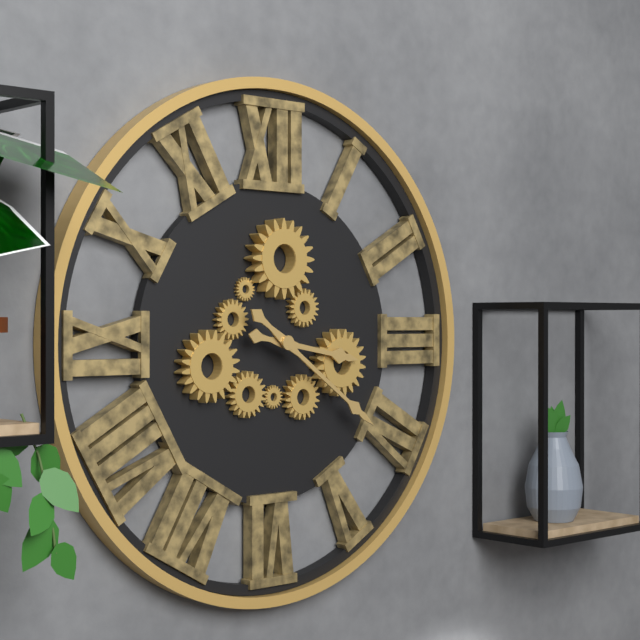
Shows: 3:21
